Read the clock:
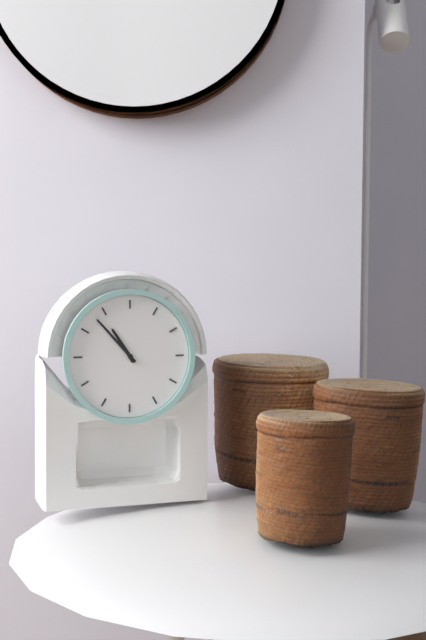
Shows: 10:53
